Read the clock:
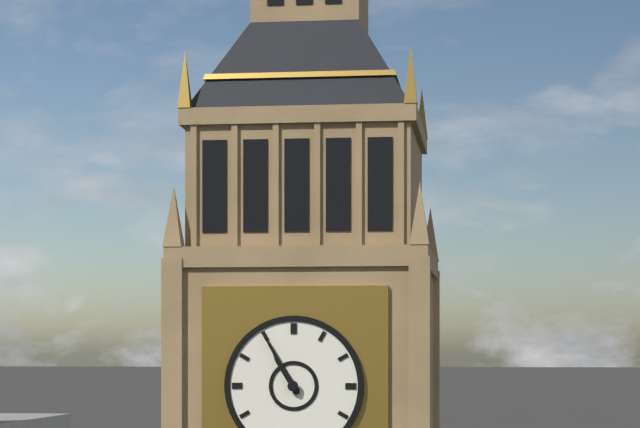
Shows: 10:55
